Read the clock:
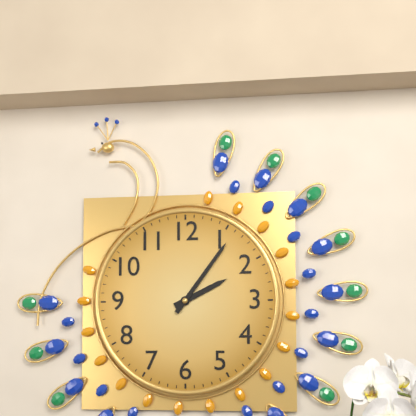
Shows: 2:06
